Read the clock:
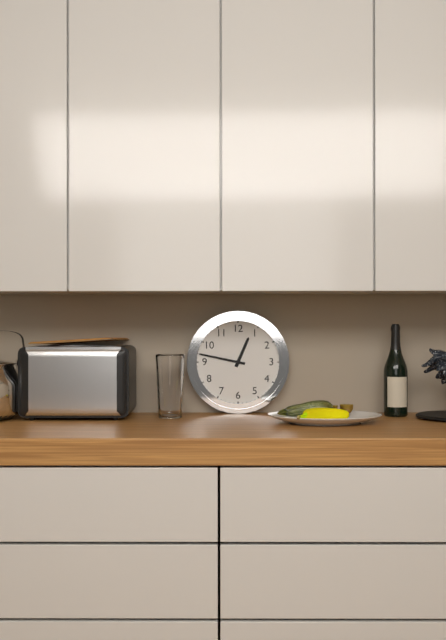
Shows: 12:47
